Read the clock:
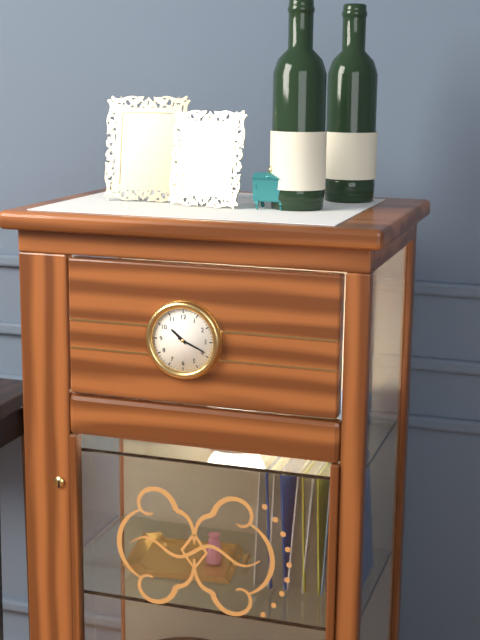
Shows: 10:19
